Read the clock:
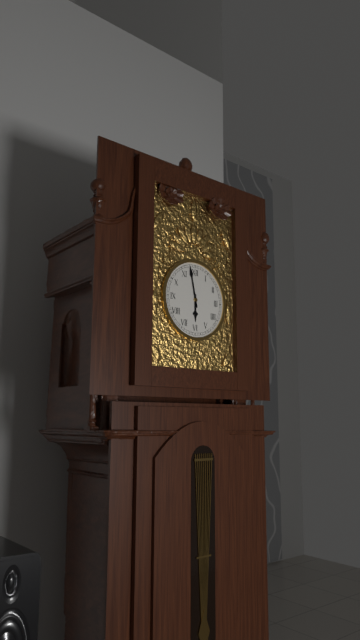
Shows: 5:58
